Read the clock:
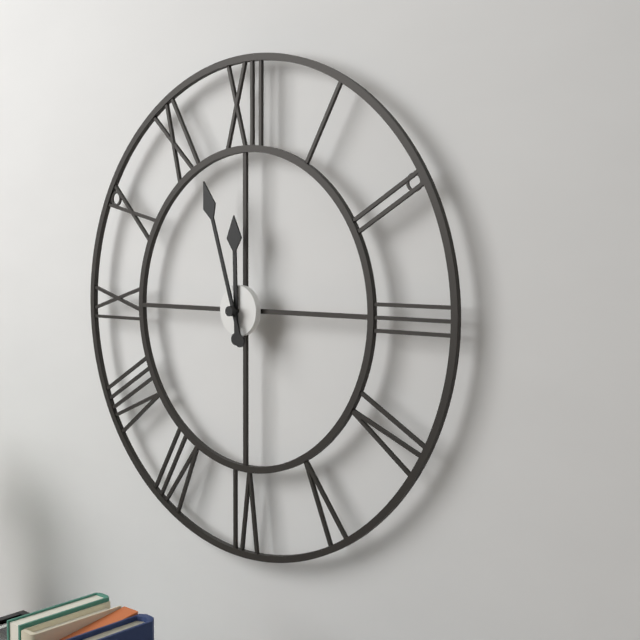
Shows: 11:57
